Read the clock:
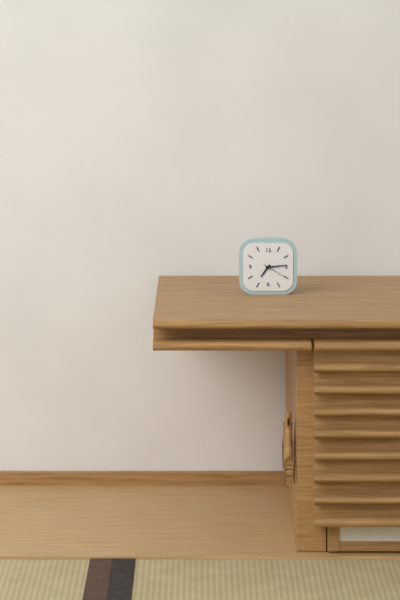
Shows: 7:14
